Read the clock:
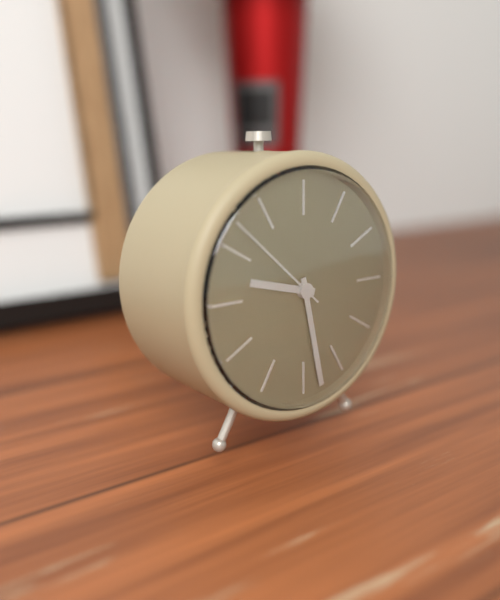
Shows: 9:28:52
